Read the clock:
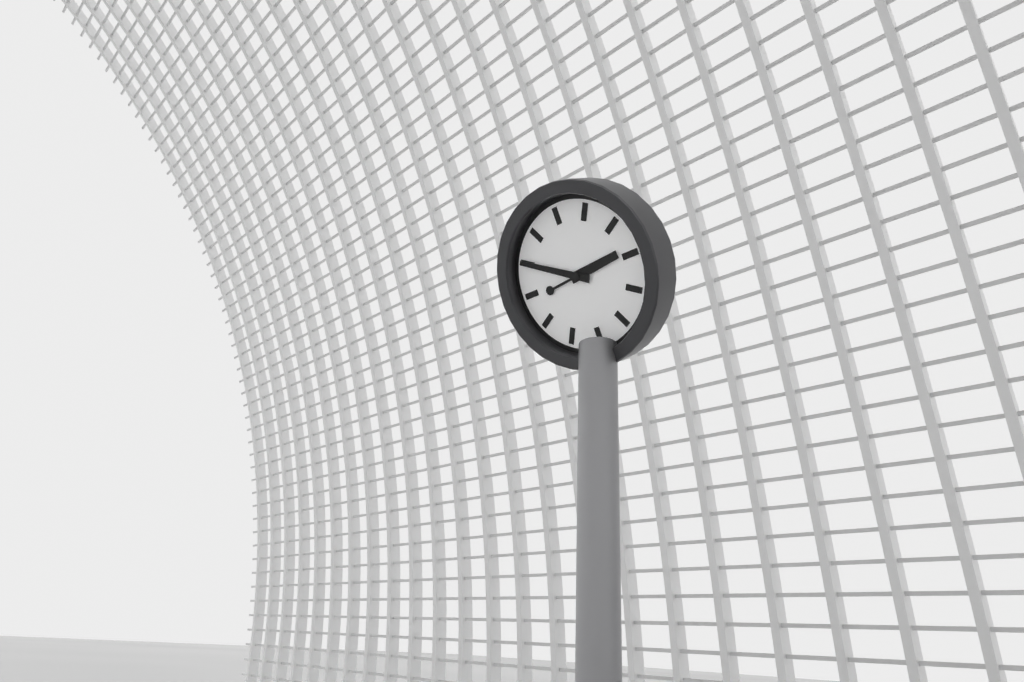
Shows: 2:50
